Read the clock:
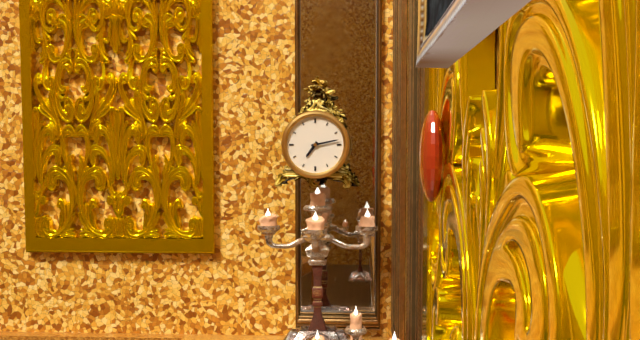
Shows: 7:13
